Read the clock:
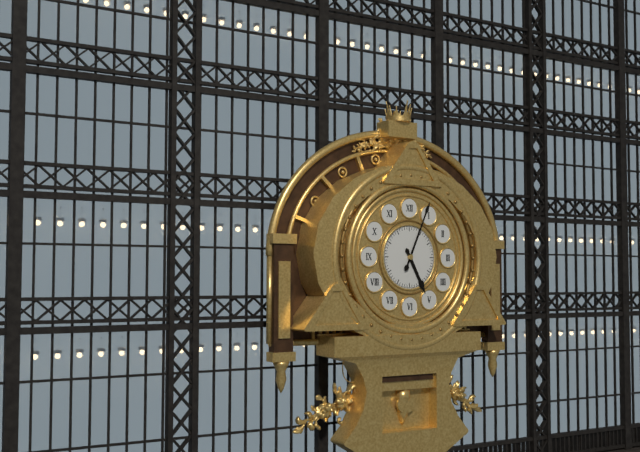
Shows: 5:04
